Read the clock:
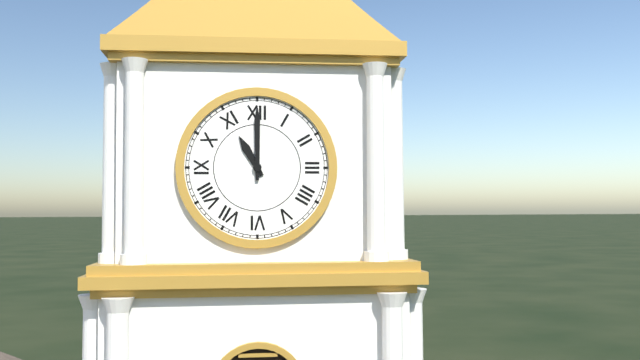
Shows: 11:00
